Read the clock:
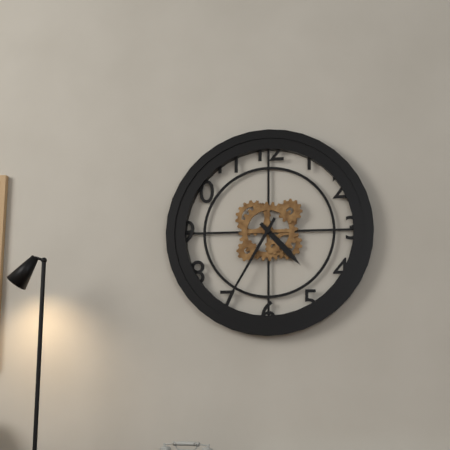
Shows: 4:35
